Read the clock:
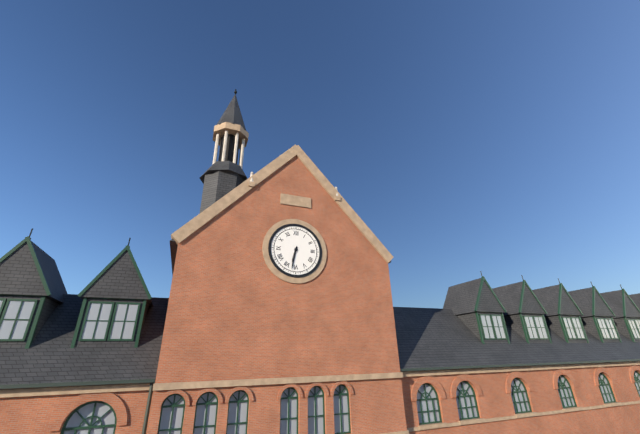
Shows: 6:32
